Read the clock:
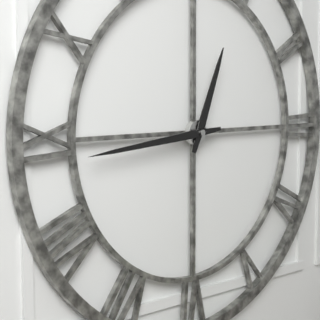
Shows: 12:44
